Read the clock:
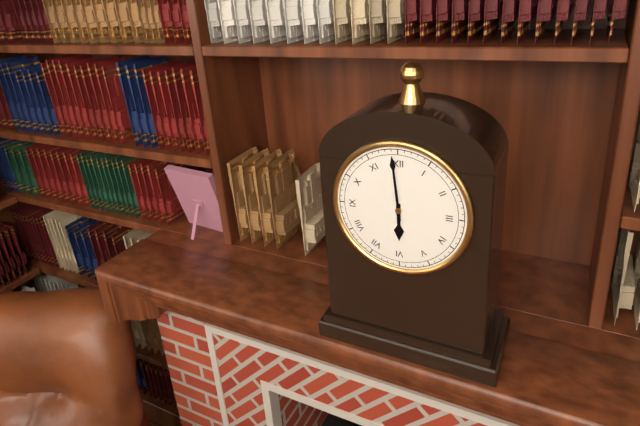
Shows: 5:59
